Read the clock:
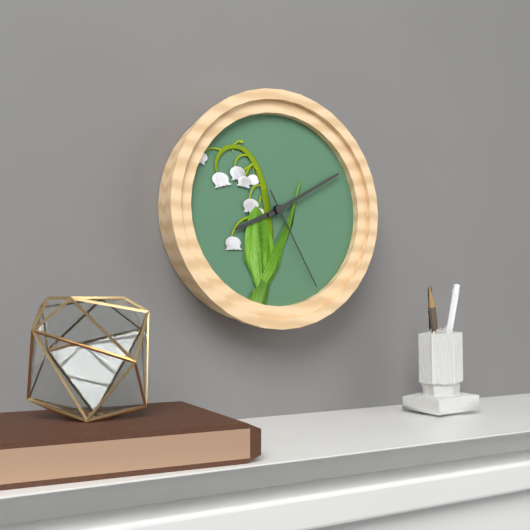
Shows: 8:10:25
